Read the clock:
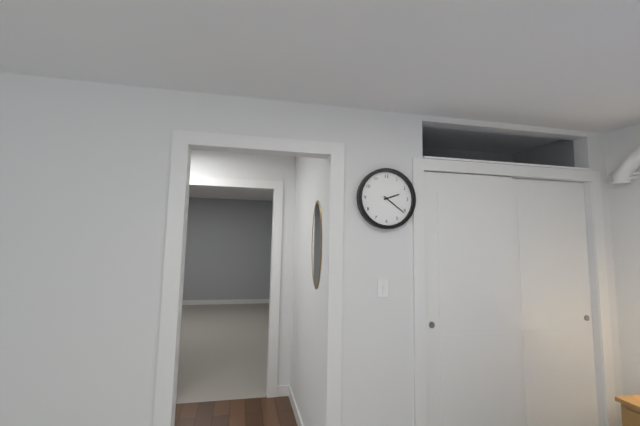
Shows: 2:21
